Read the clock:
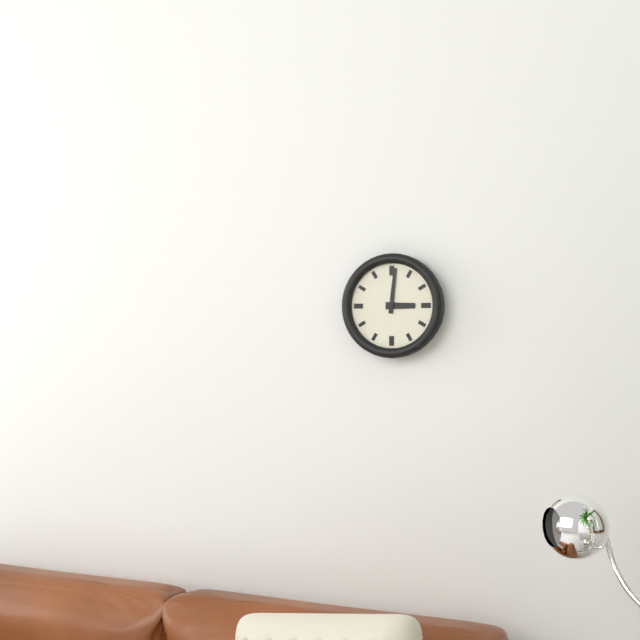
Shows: 3:01
